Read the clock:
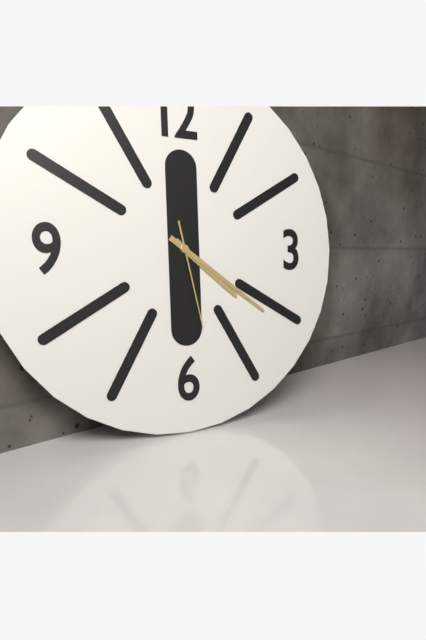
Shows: 4:21:28
